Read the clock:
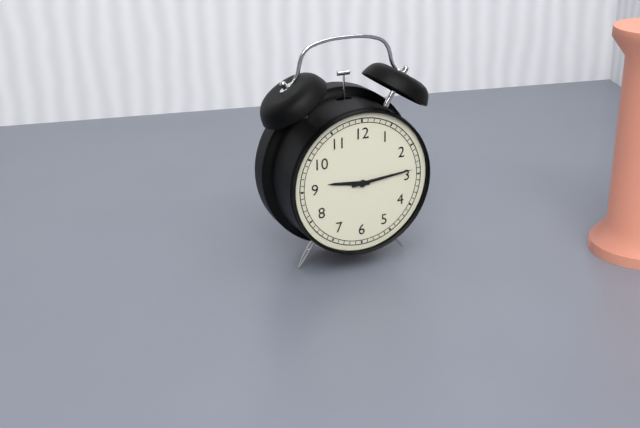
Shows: 9:14
